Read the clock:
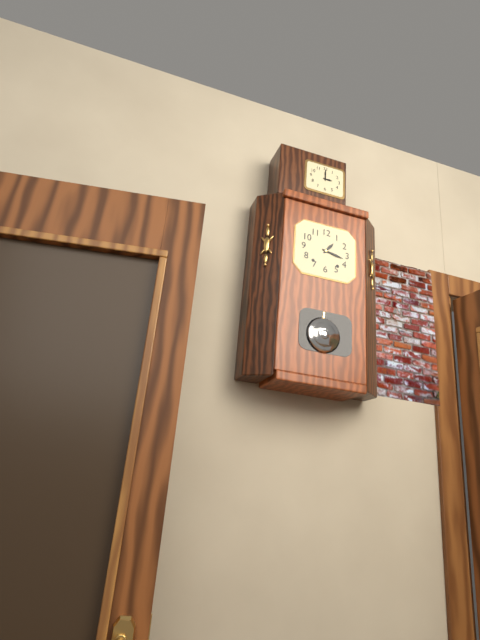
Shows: 1:17
